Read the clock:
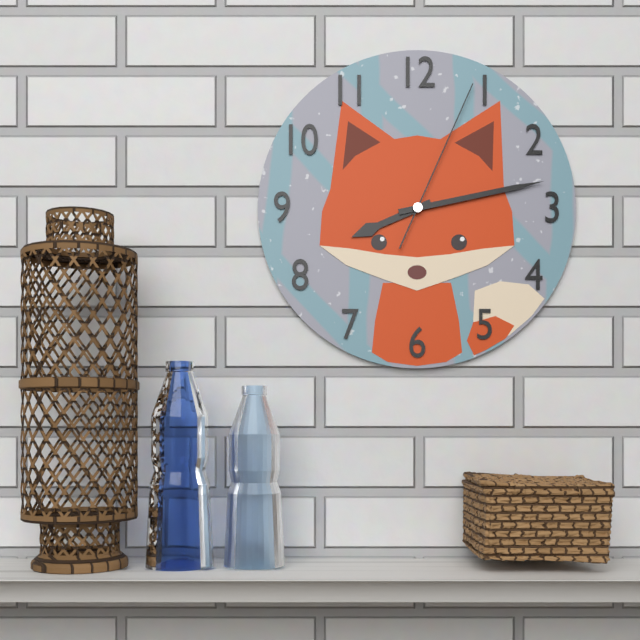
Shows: 8:13:04
